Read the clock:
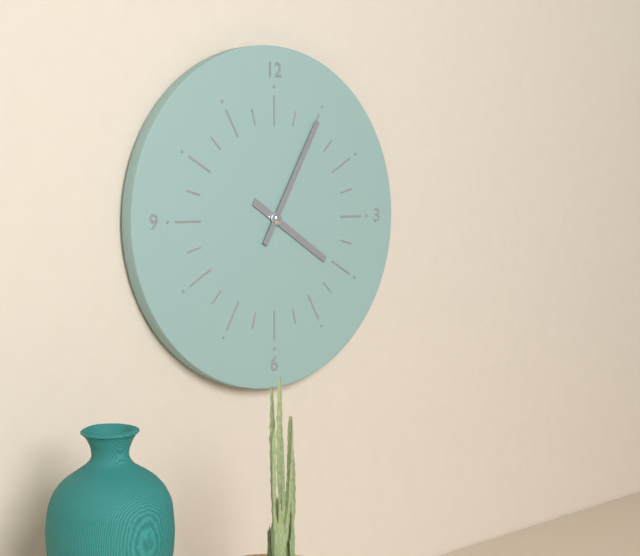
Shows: 4:05
